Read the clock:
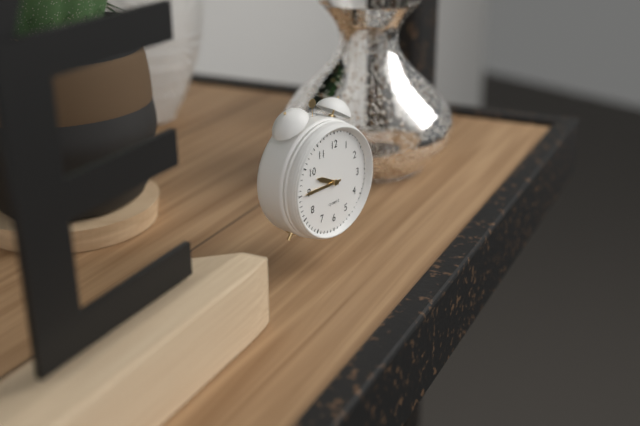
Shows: 9:45
